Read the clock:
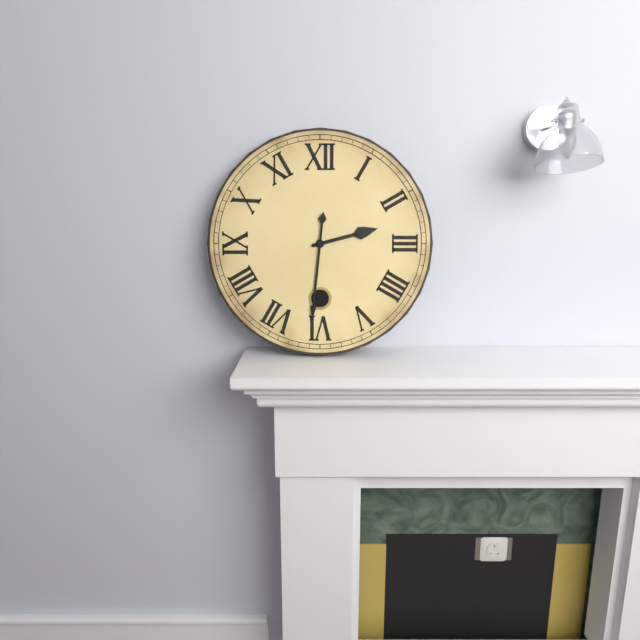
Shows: 2:31
